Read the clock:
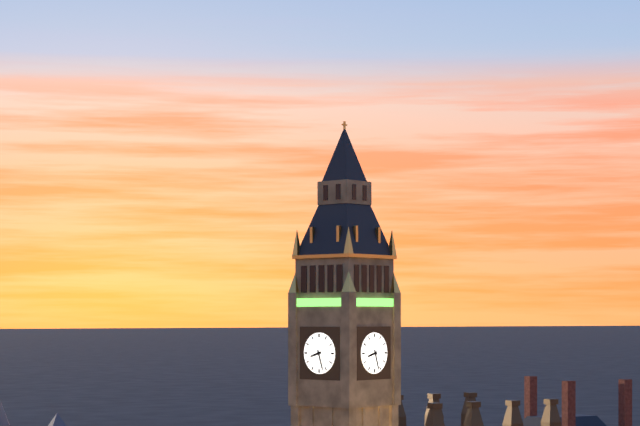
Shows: 8:27
